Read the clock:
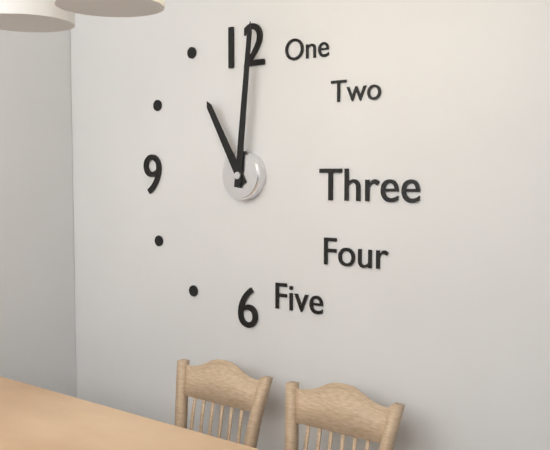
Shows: 11:01
